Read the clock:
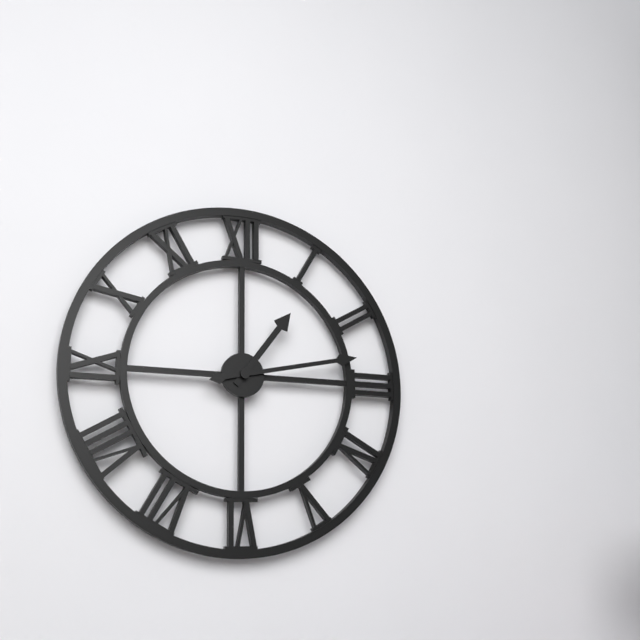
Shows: 1:13
